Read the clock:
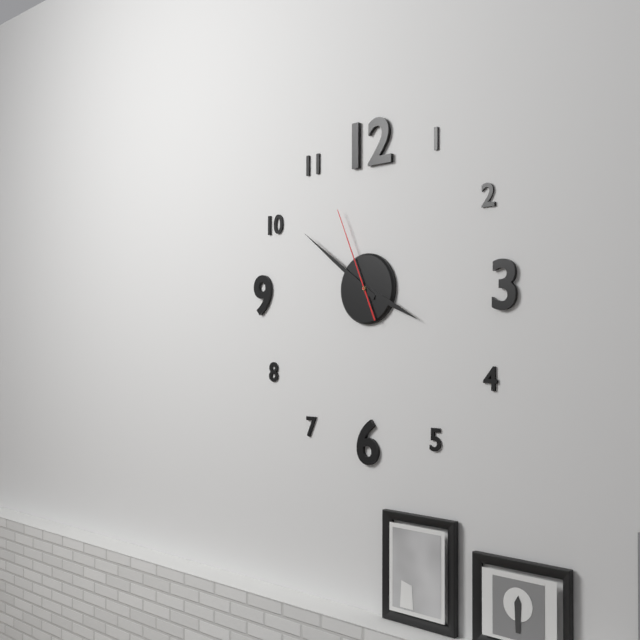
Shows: 3:51:56
